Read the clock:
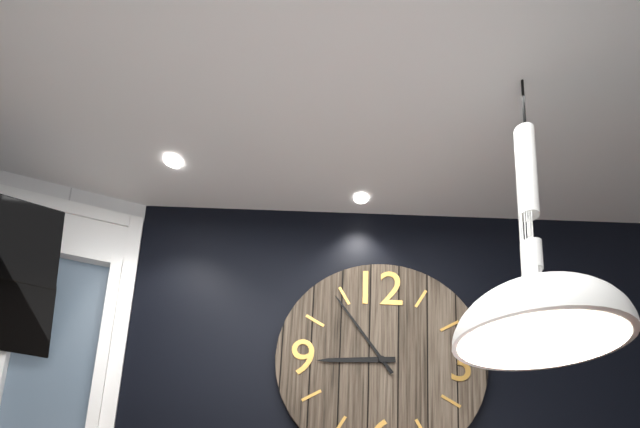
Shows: 8:54
